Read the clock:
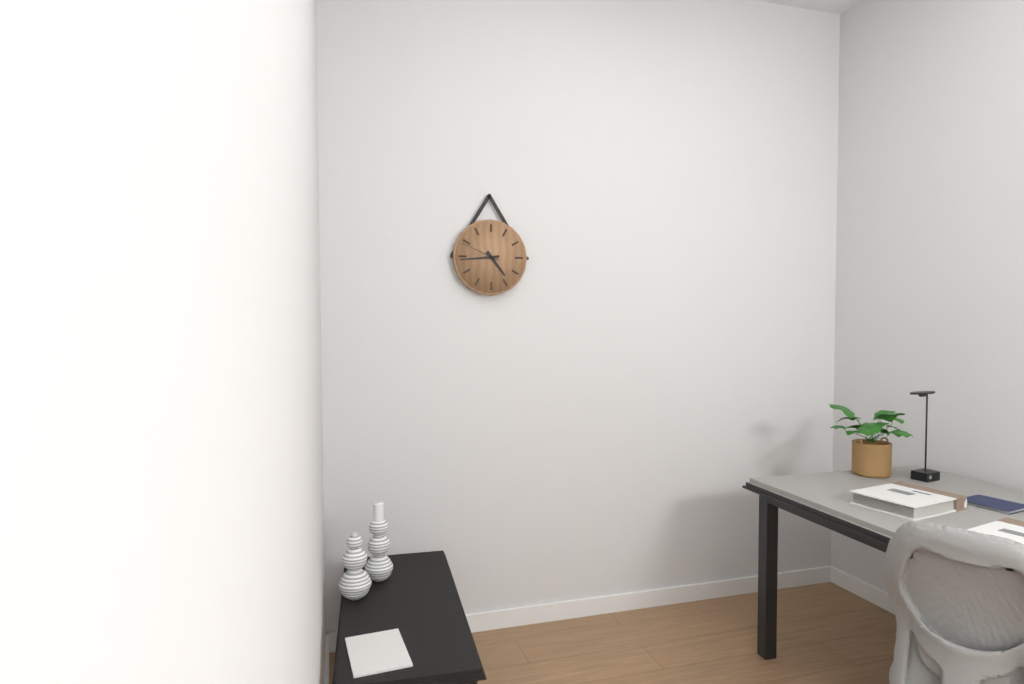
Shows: 4:44
